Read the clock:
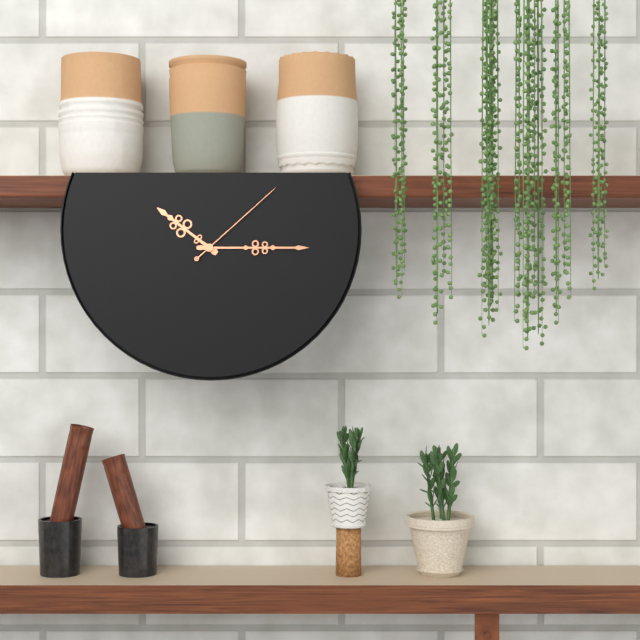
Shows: 10:15:08
